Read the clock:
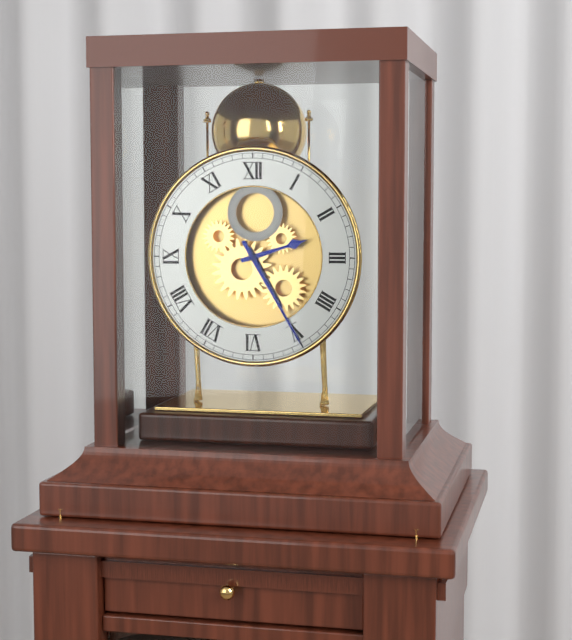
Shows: 2:25
